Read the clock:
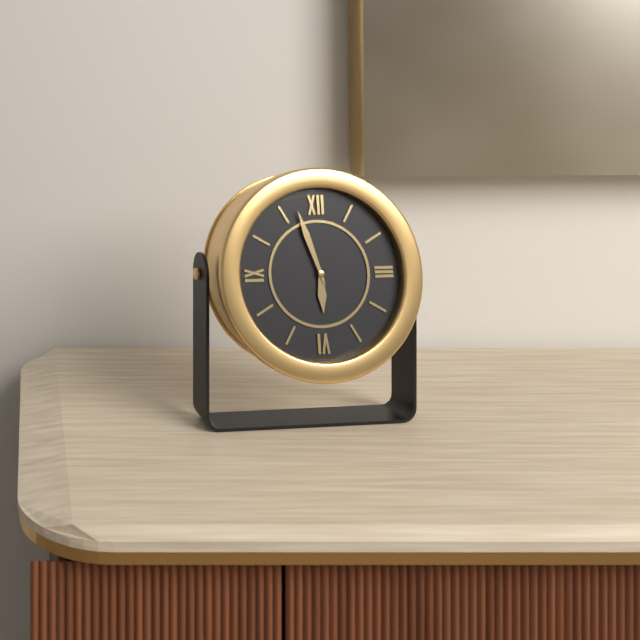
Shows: 5:57
